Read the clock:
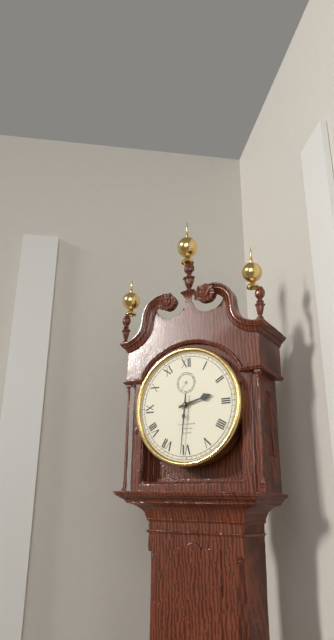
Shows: 2:31
